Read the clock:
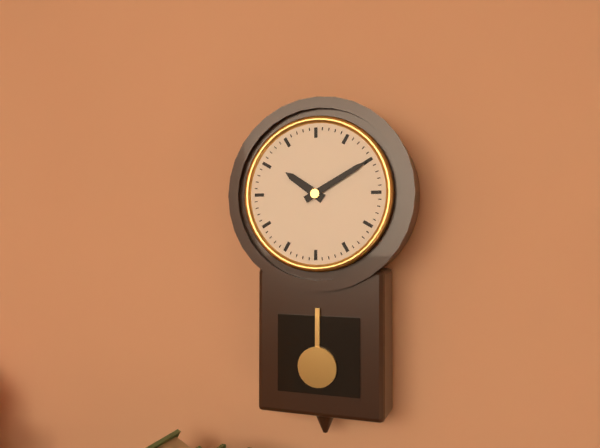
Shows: 10:10
